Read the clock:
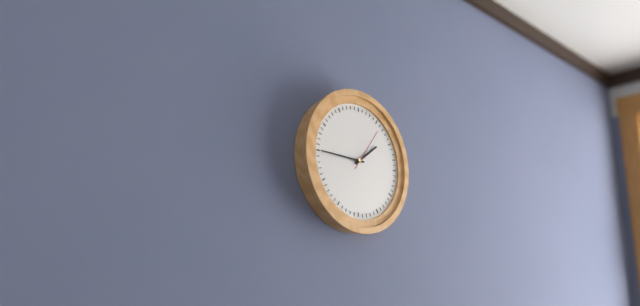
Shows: 1:45
